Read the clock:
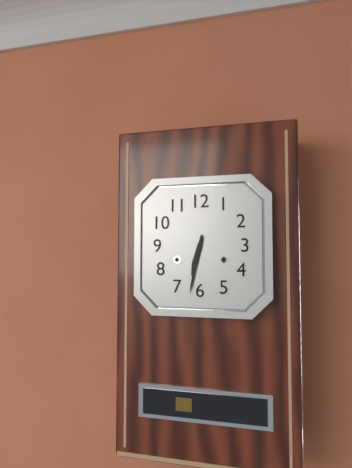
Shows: 6:32
